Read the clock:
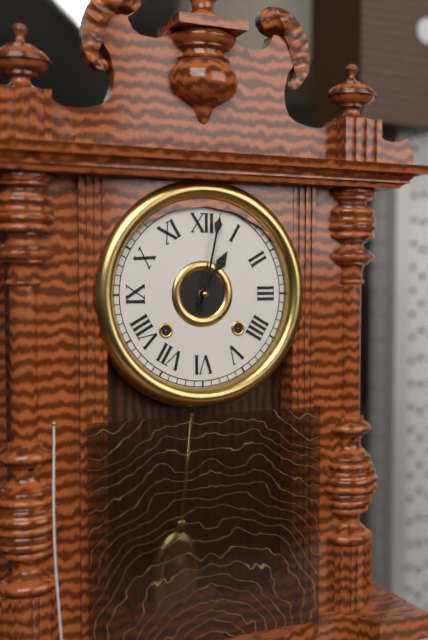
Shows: 1:02
